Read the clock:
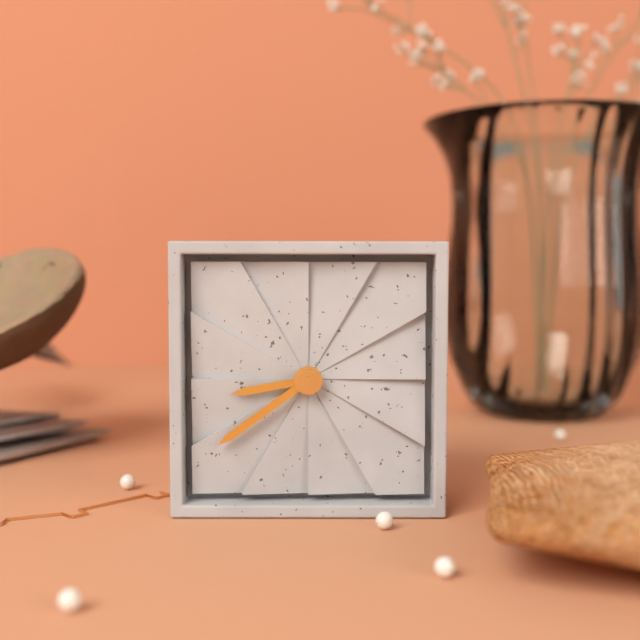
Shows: 8:39
